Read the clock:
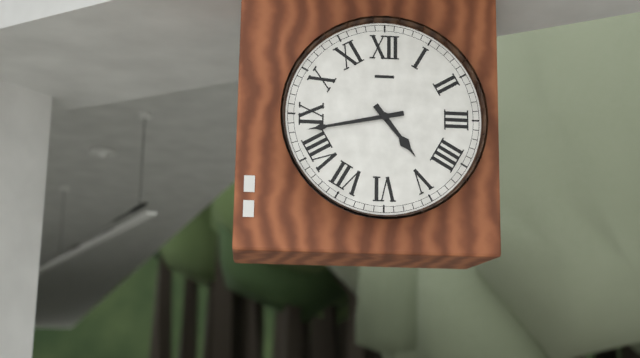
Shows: 4:43
